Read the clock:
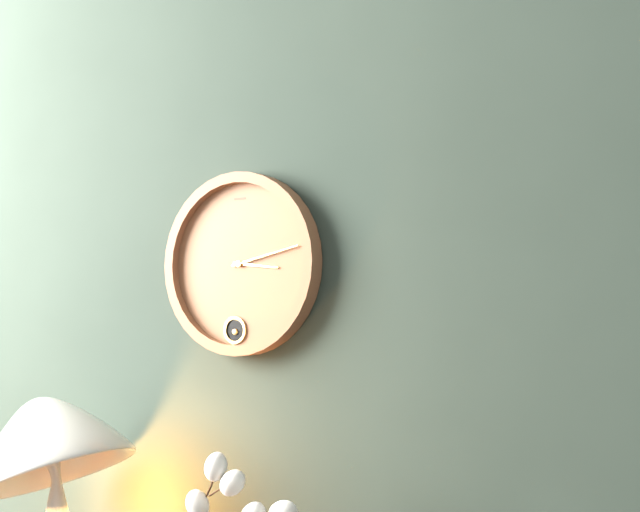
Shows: 3:13
